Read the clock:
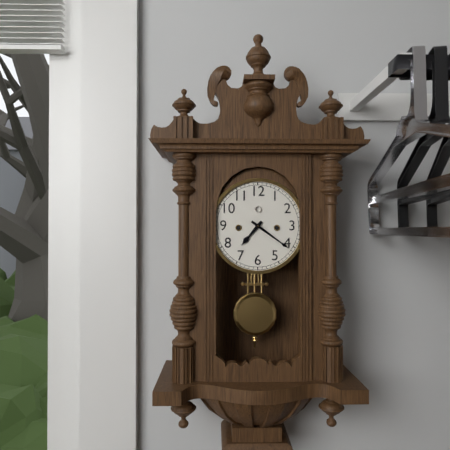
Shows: 7:21
